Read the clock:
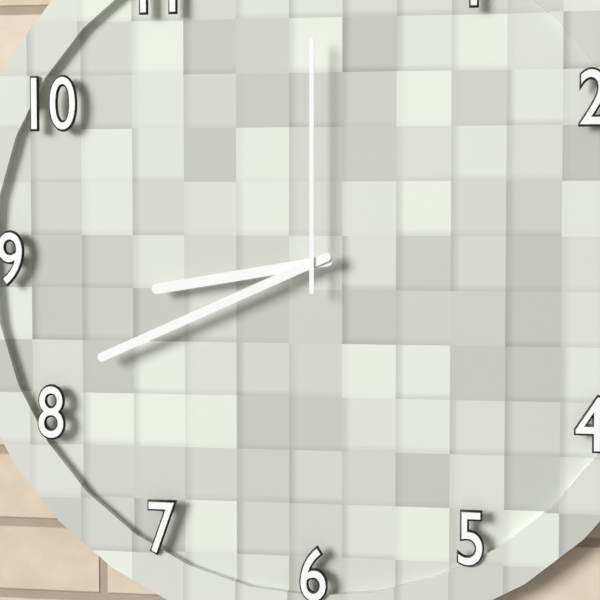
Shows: 8:41:00
